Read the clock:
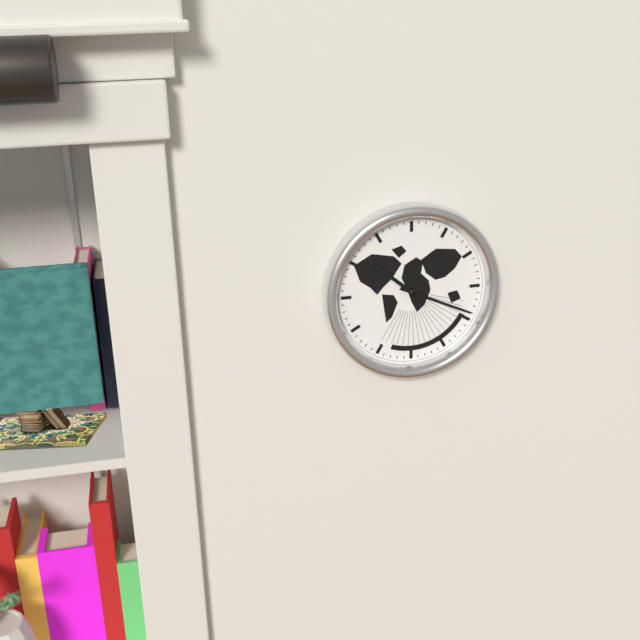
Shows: 10:19
